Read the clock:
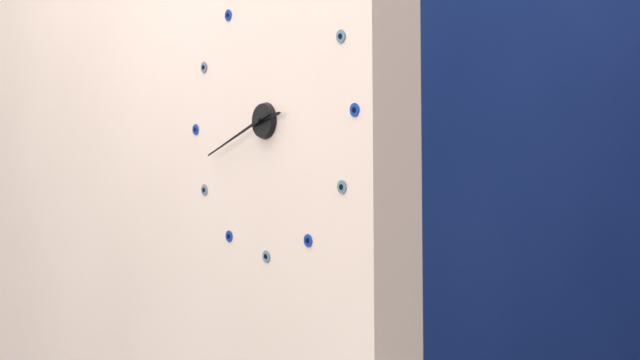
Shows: 2:42
